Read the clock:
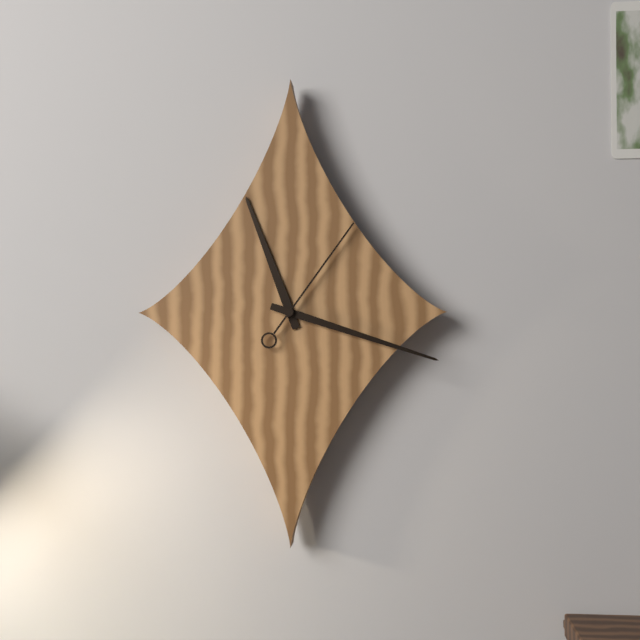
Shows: 11:18:06
